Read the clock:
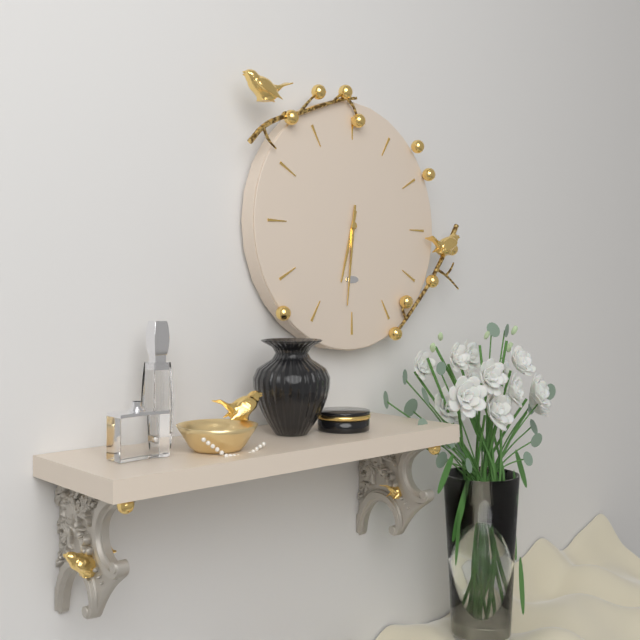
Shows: 6:31
